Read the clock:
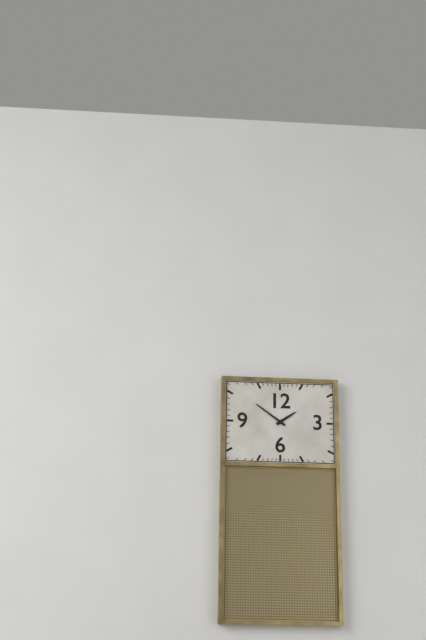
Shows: 1:51
